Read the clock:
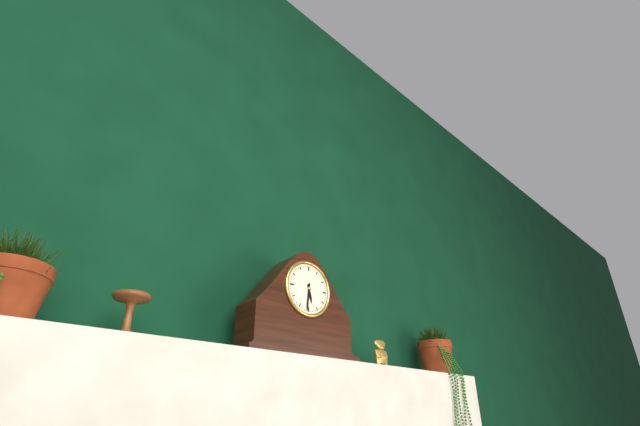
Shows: 5:31
